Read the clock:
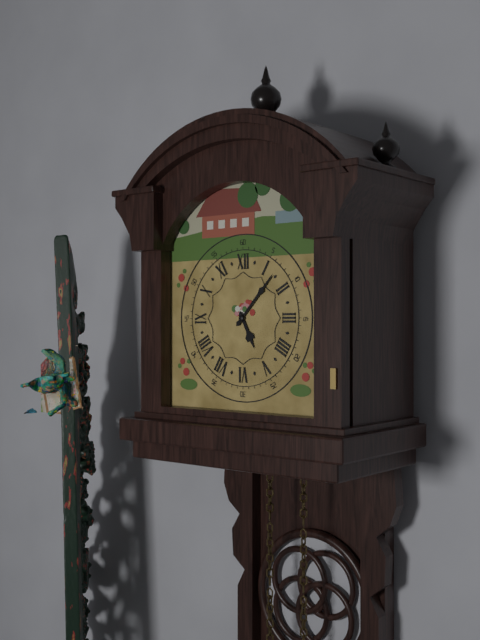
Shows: 5:07
